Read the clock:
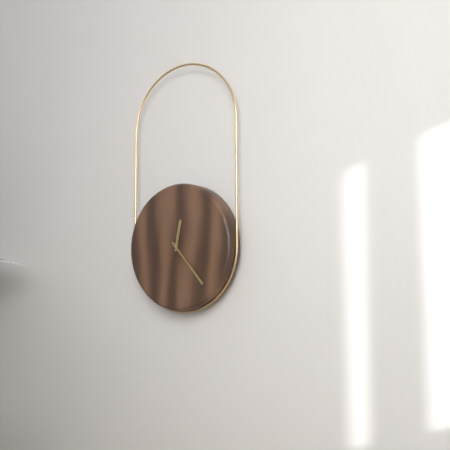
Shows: 12:23
